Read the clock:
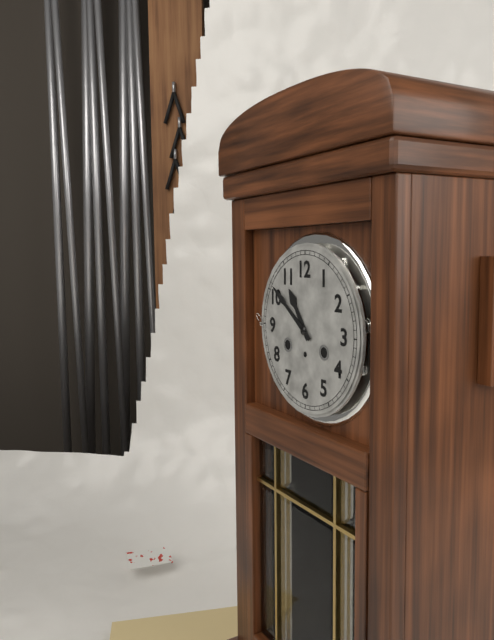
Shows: 10:51
